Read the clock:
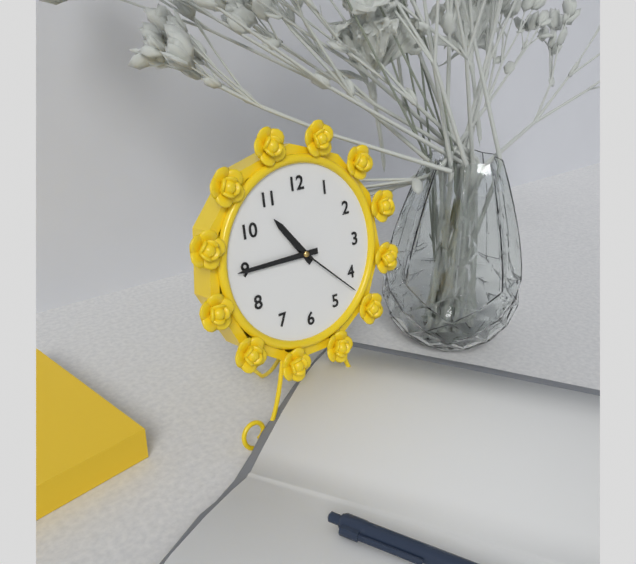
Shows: 10:45:22
